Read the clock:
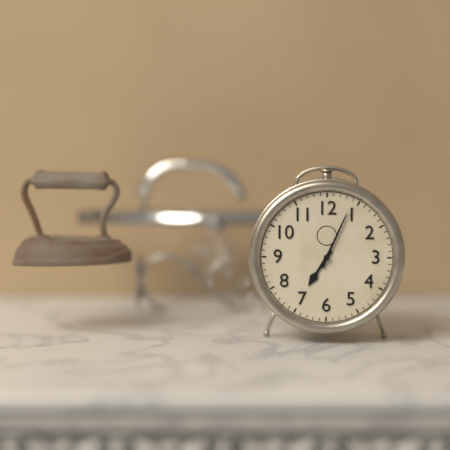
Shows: 7:04
